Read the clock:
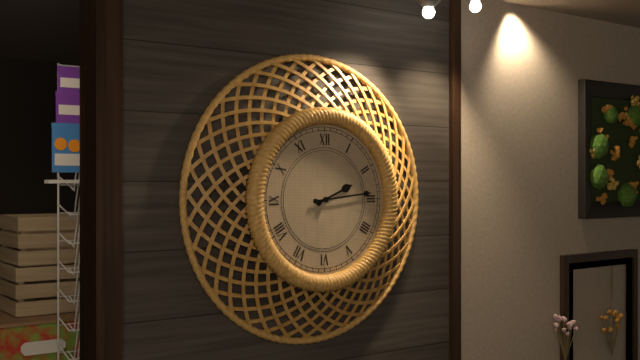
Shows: 2:14
